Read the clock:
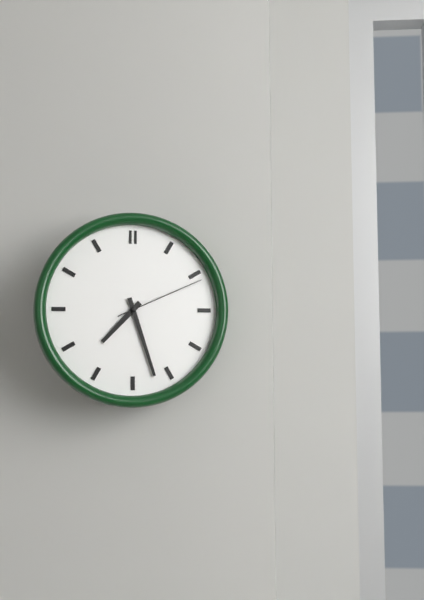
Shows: 7:27:11
